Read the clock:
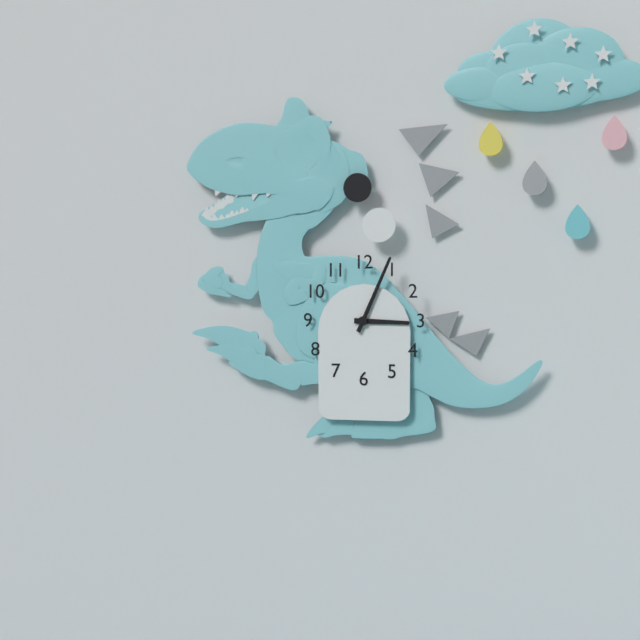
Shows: 3:04
